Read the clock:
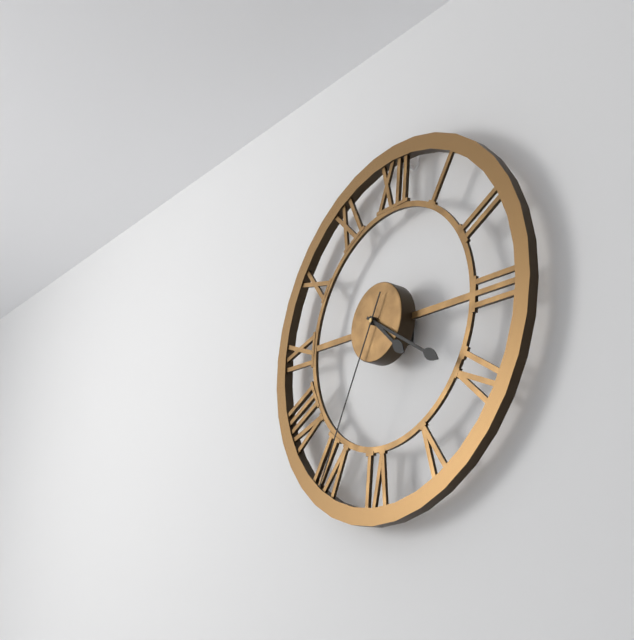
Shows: 4:20:34
